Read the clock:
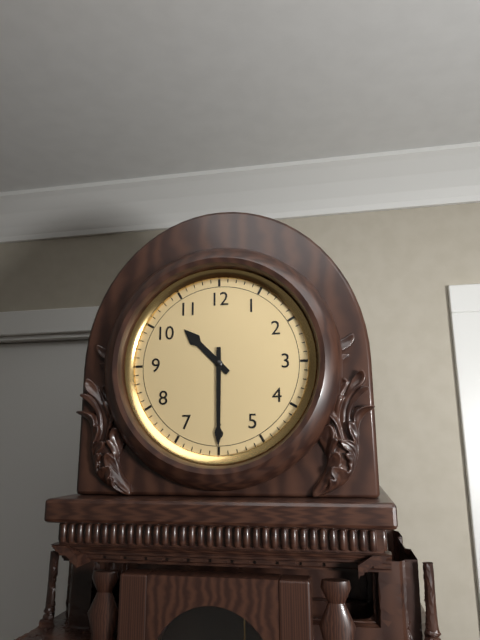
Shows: 10:30
